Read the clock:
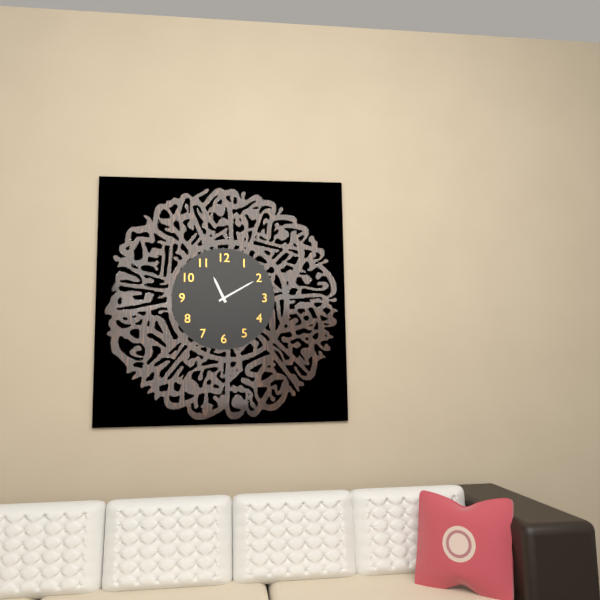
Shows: 11:10
